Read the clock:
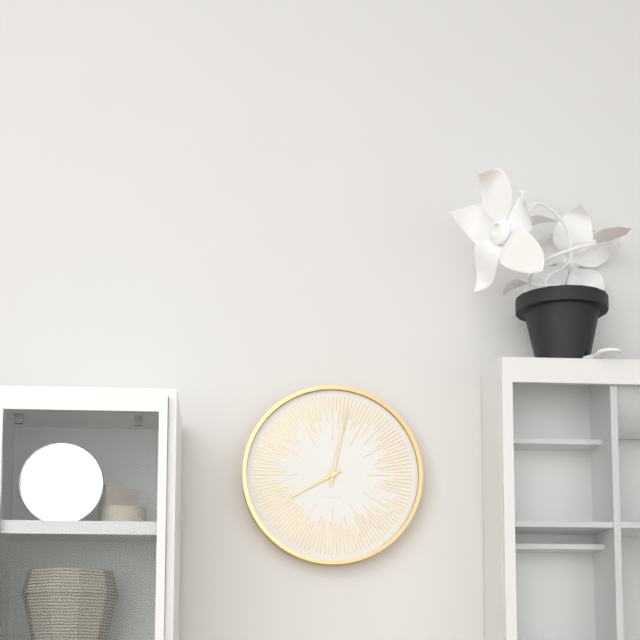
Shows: 8:02
